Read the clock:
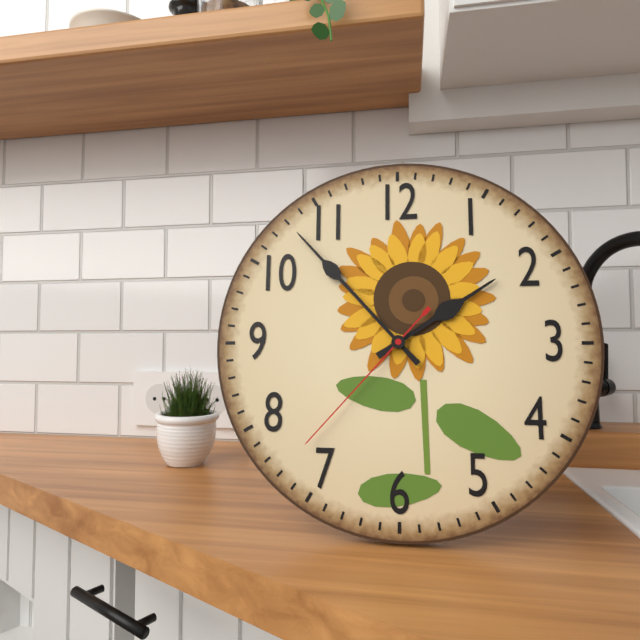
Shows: 1:53:37
